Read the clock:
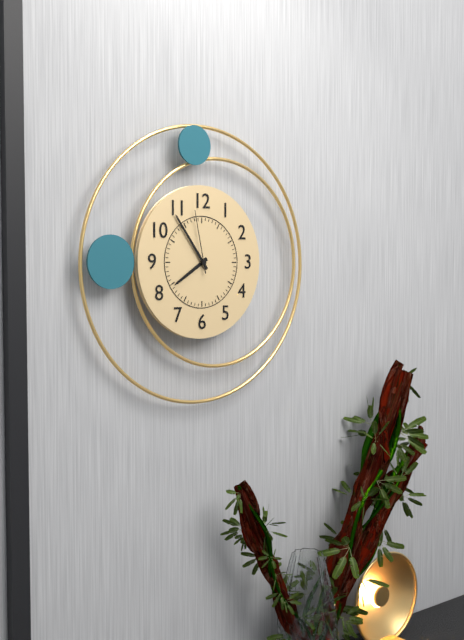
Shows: 7:54:58
